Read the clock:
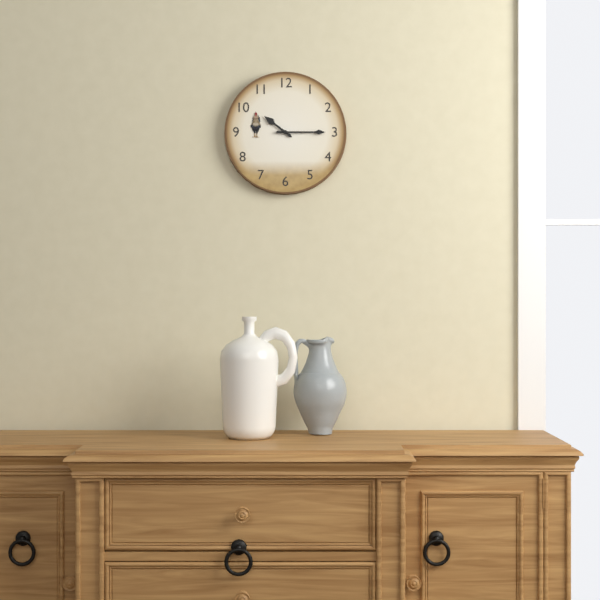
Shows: 10:15
